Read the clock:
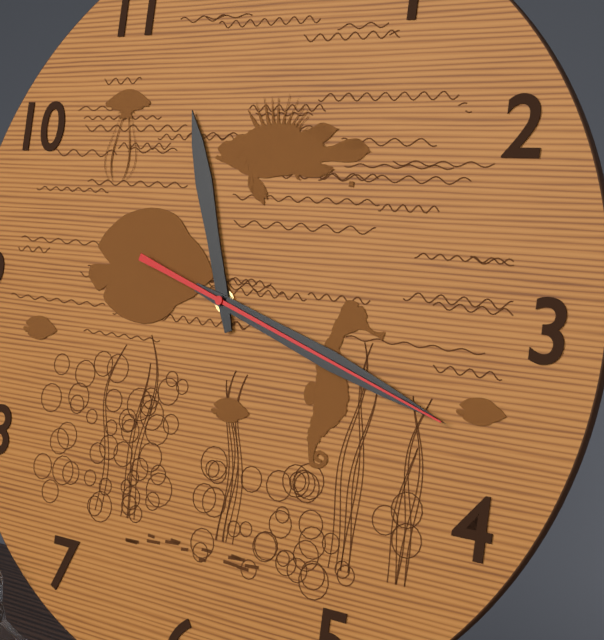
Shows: 11:18:18
